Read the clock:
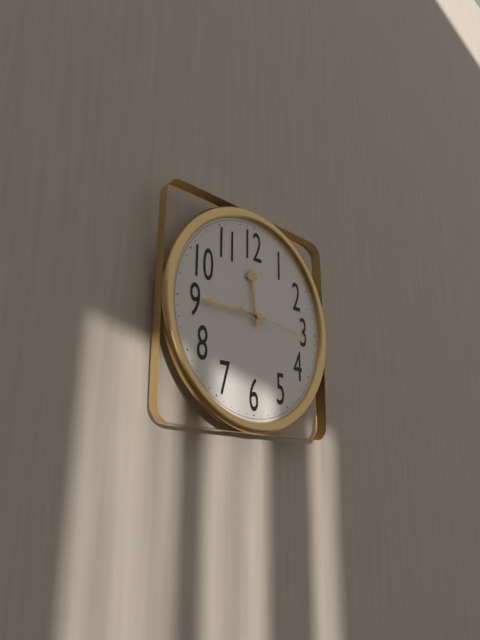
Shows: 11:45:16
